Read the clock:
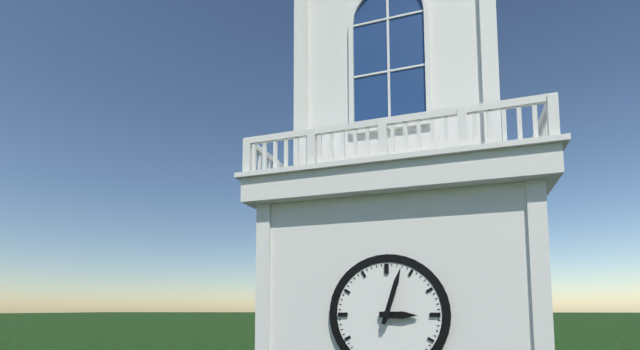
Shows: 3:03
